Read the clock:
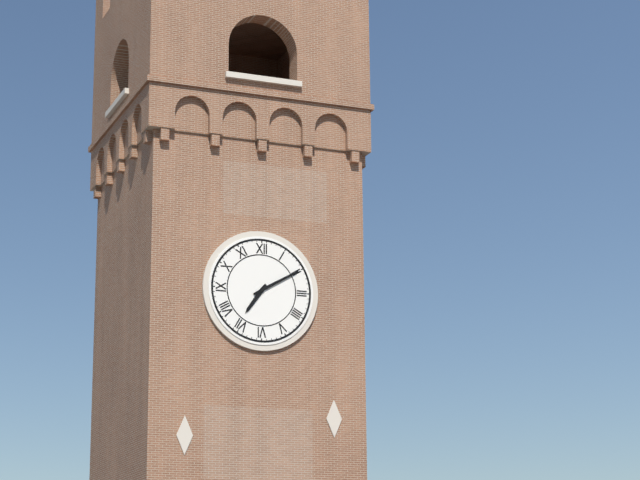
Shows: 7:10
